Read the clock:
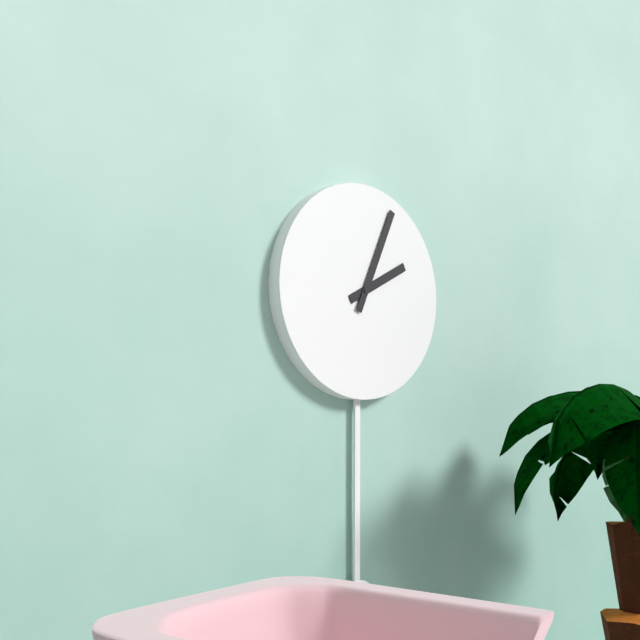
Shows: 2:04
